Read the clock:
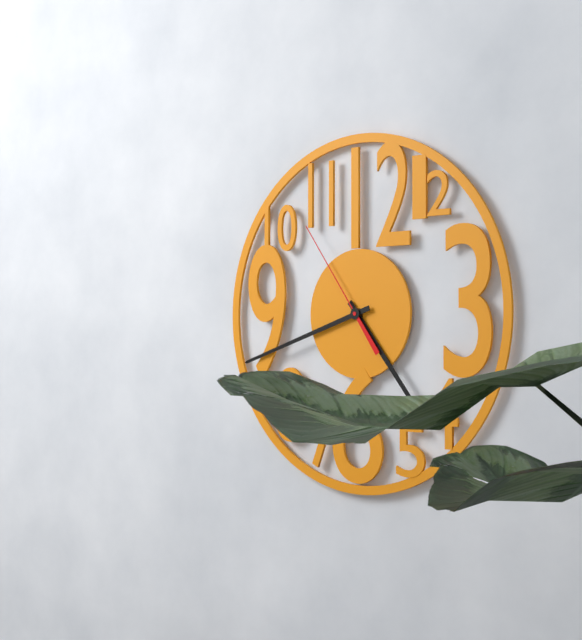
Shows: 4:42:54
